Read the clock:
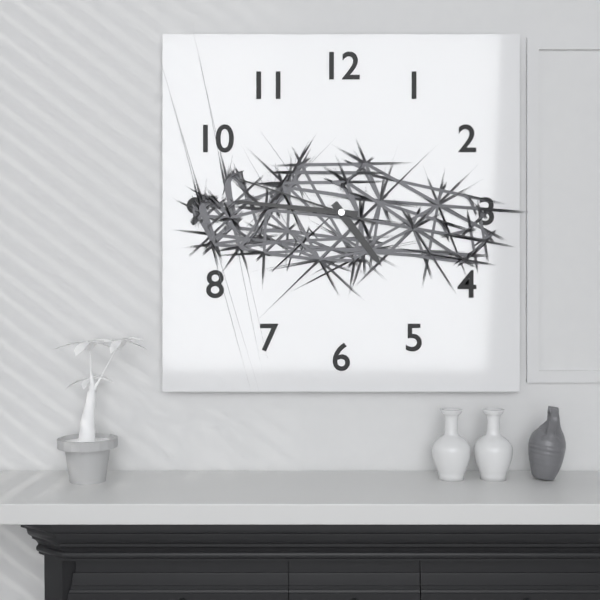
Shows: 4:46:48
